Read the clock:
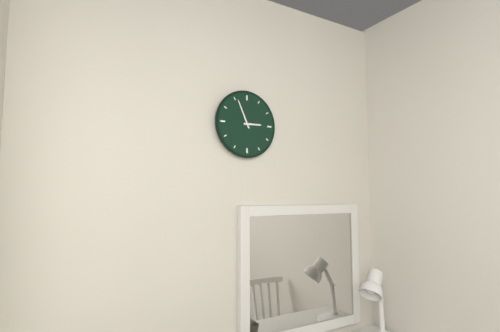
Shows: 2:56
